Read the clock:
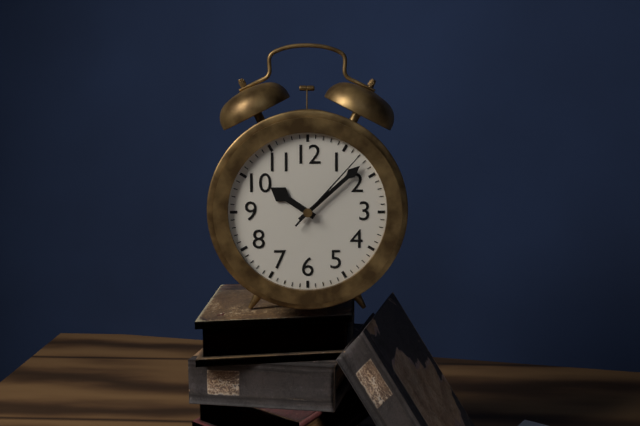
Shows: 10:08:07
